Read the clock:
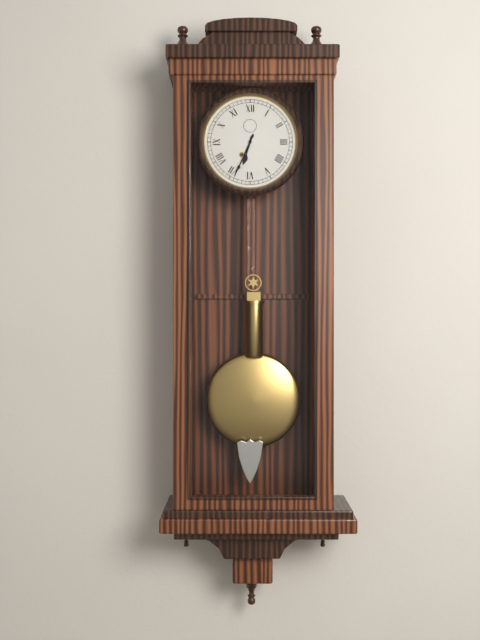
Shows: 6:34
